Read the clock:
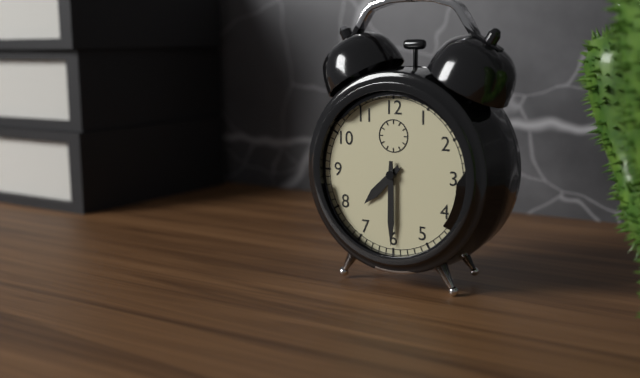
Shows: 7:30
